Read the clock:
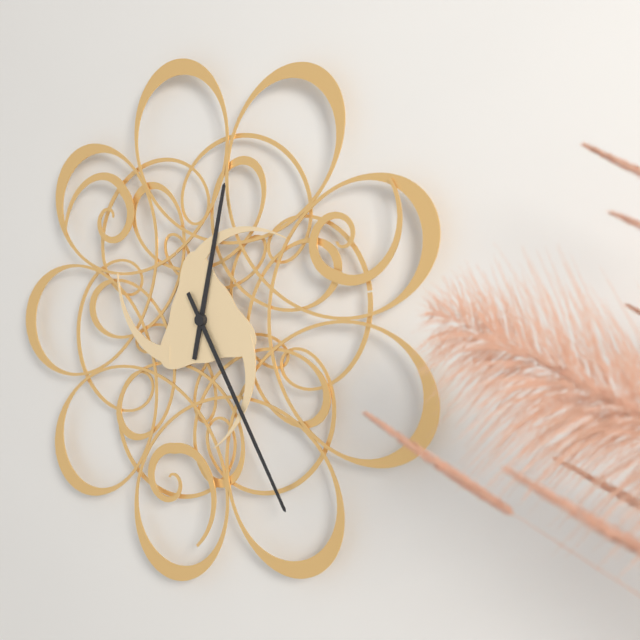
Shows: 12:25
